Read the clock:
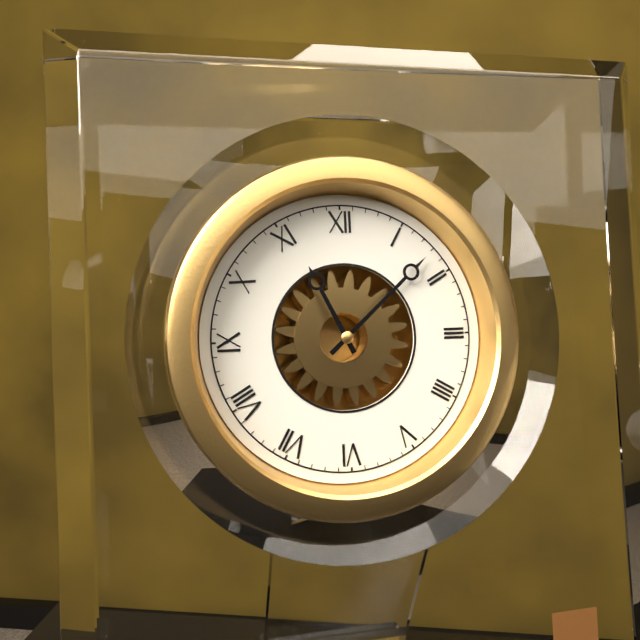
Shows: 11:08
